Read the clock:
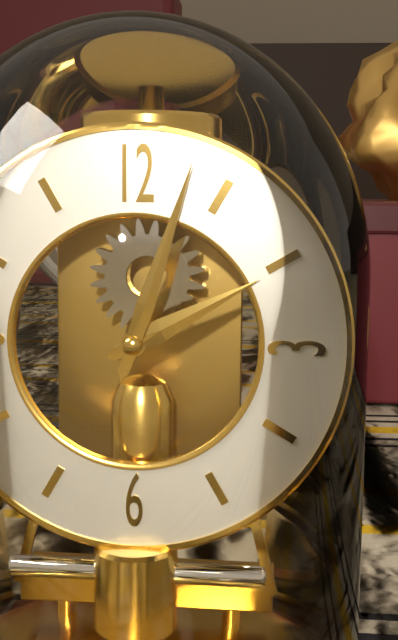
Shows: 2:03
